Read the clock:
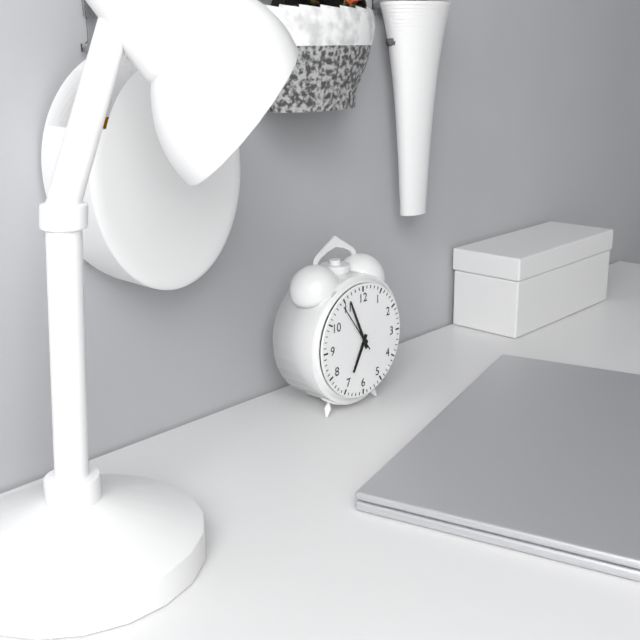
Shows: 6:56:54
